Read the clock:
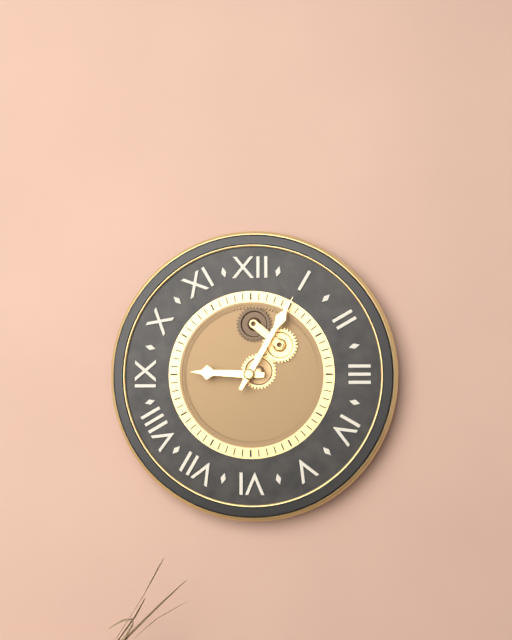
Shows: 9:05
